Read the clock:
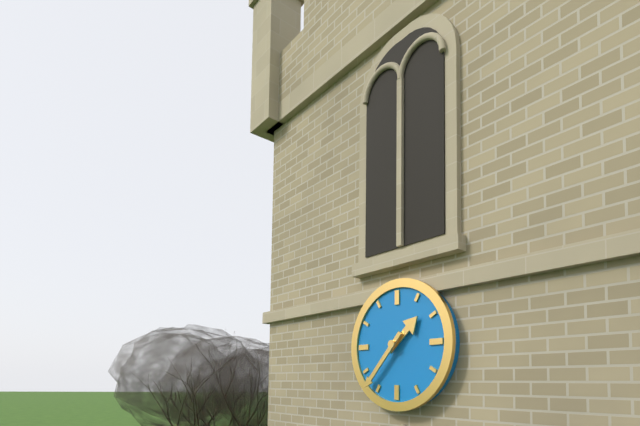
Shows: 1:37
